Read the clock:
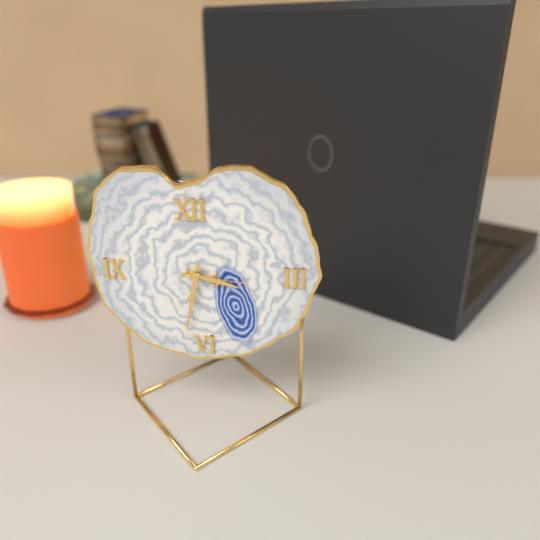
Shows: 3:32:16
